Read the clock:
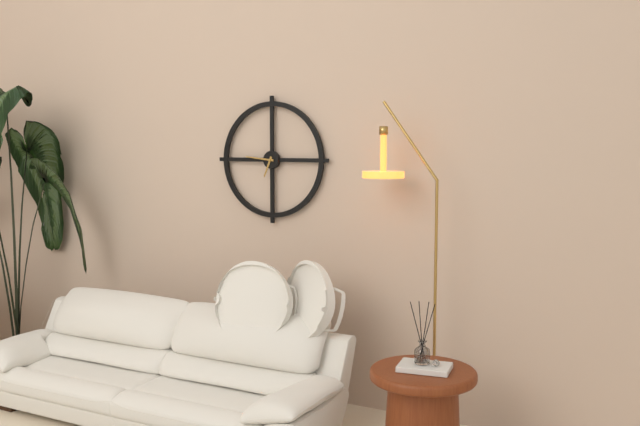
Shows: 6:46
